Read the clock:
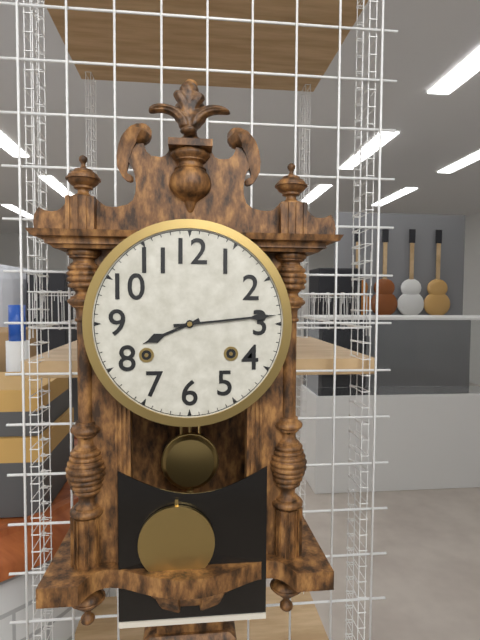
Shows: 8:14
